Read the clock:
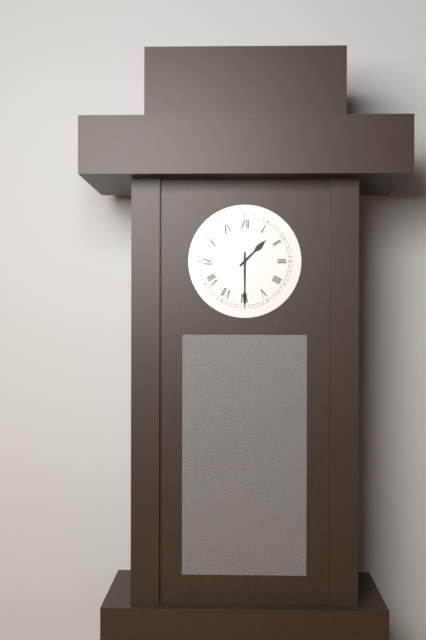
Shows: 1:30
